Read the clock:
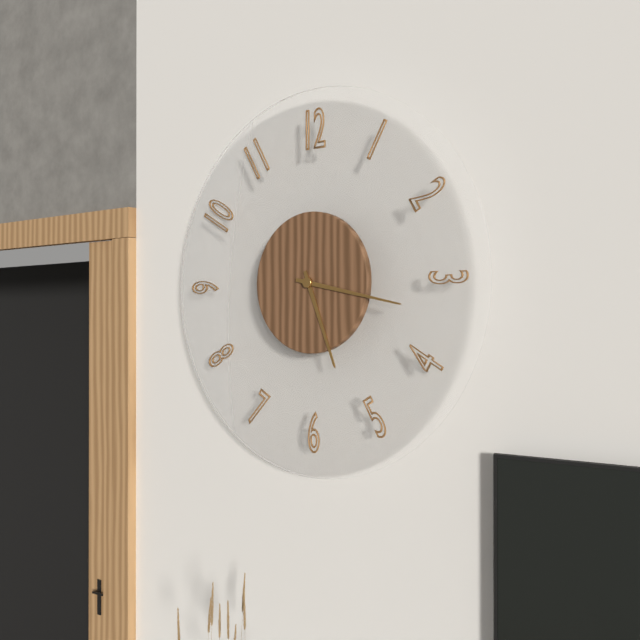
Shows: 5:17
